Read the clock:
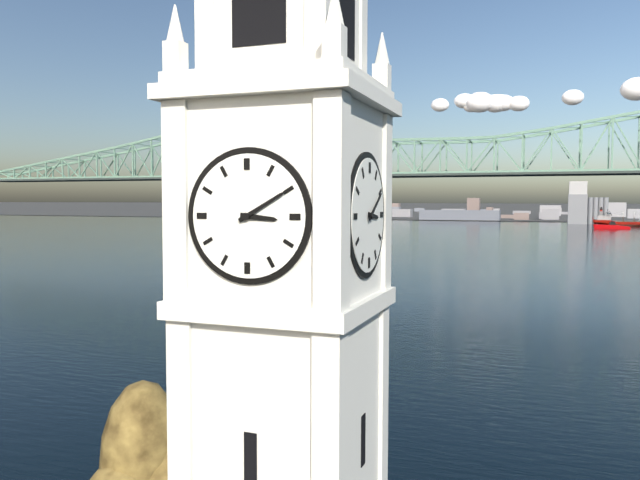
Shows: 3:10
